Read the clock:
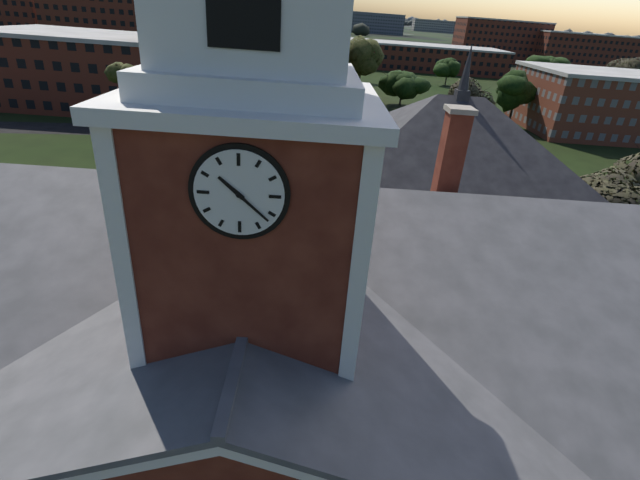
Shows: 10:22
